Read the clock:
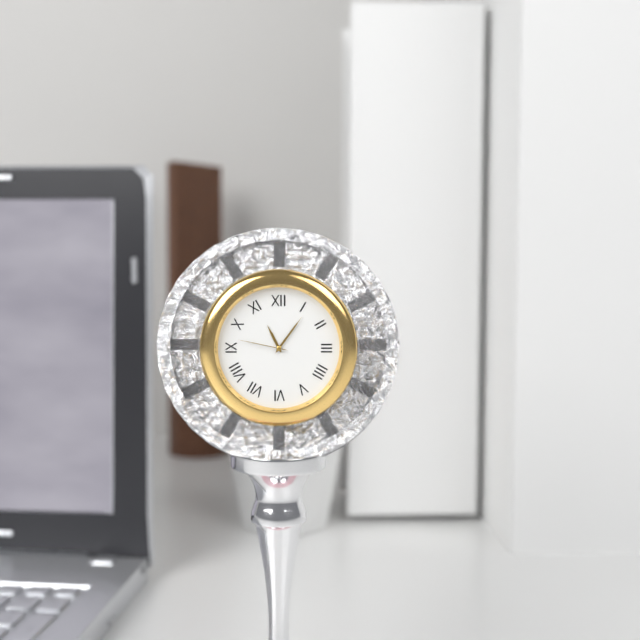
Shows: 11:06:47
